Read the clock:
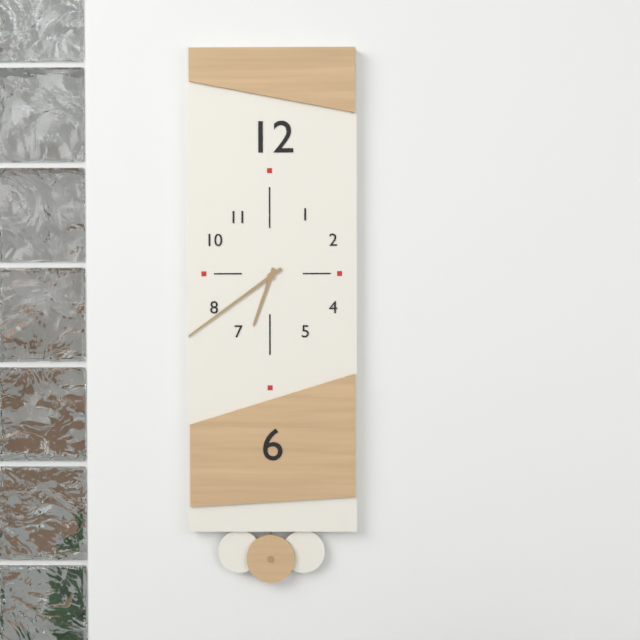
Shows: 6:39
